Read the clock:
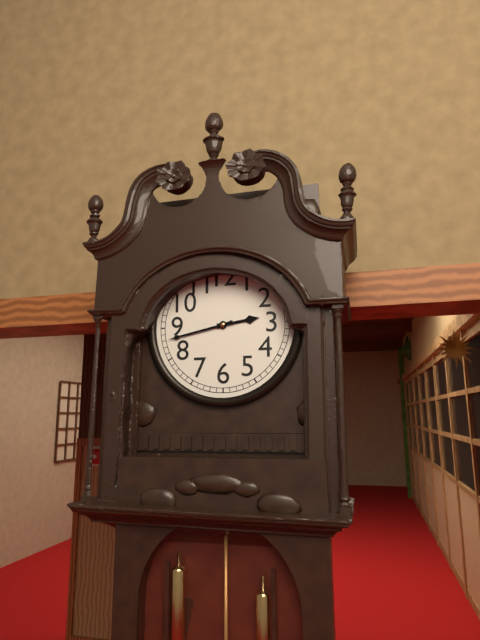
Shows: 2:43
